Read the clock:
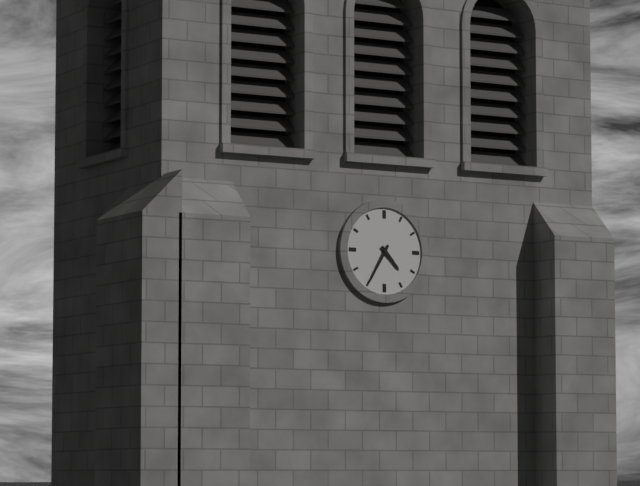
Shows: 4:35
